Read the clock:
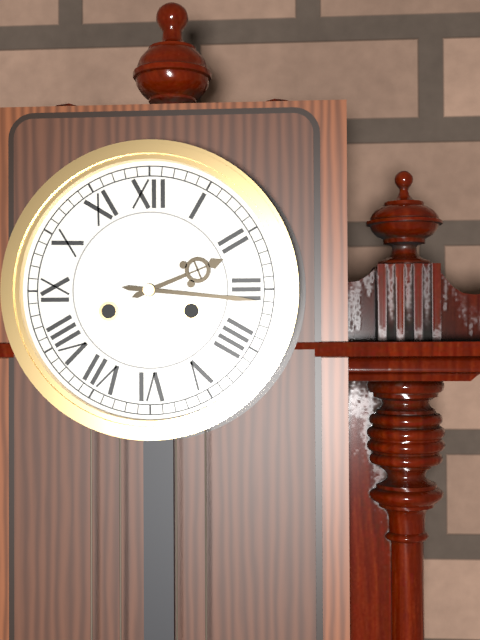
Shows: 2:16
